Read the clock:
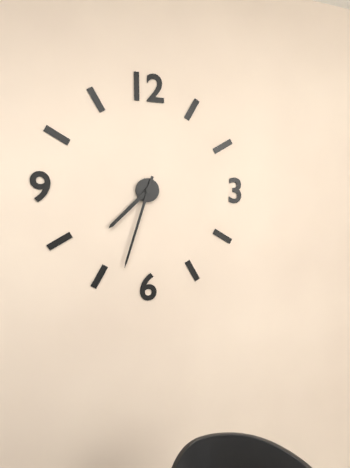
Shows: 7:33
